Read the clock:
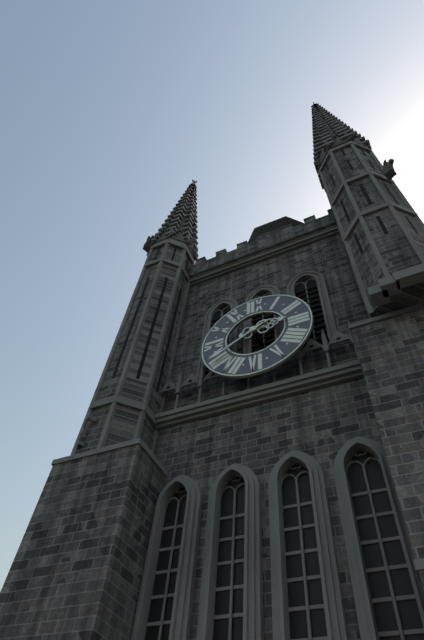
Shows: 2:40
